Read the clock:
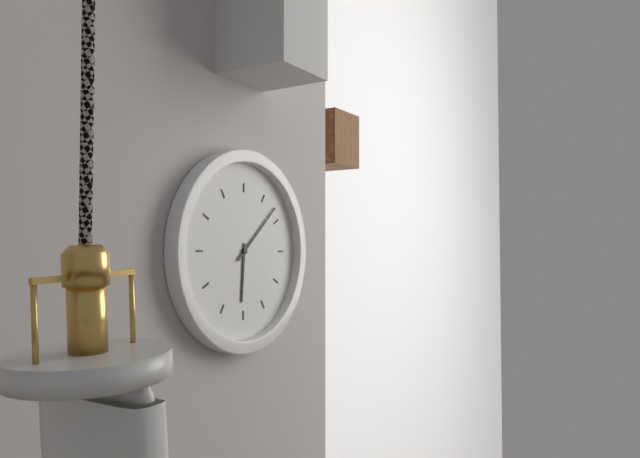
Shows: 6:08
